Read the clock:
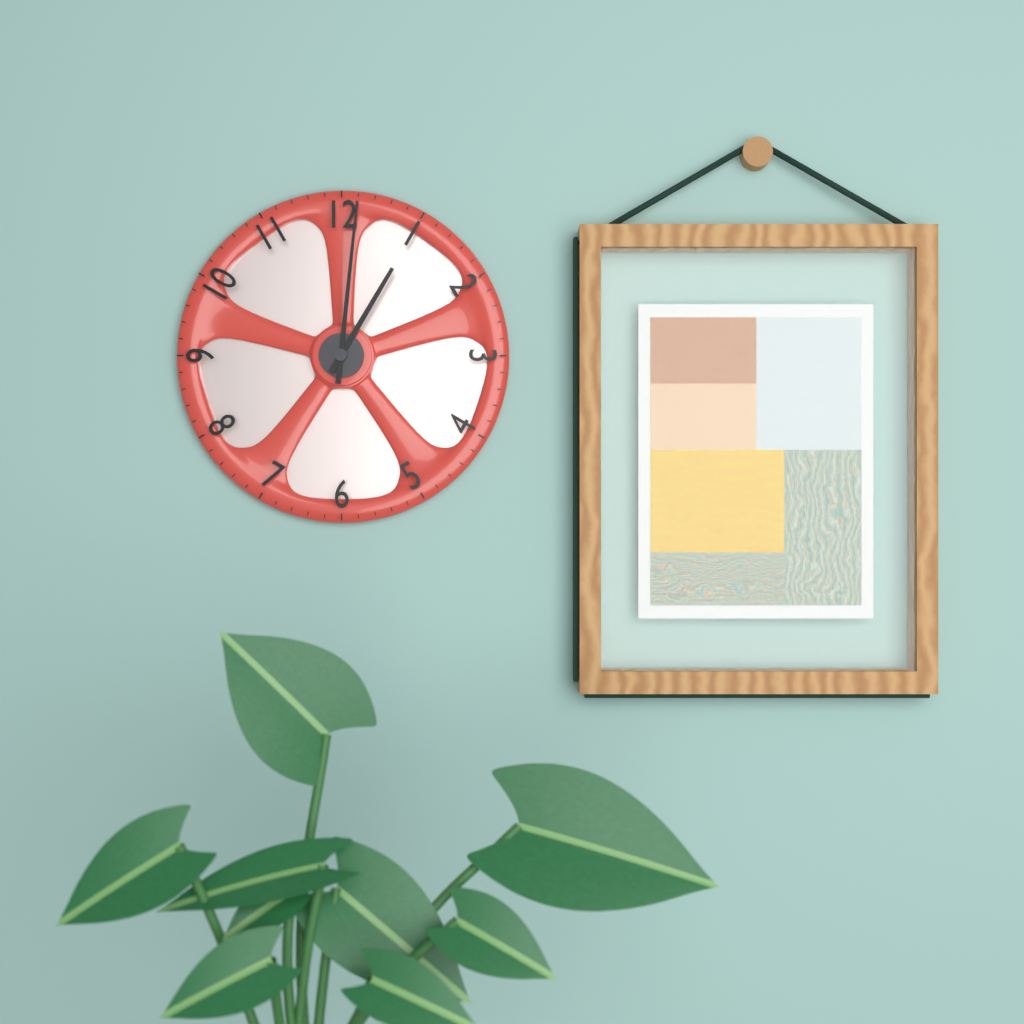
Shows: 1:01
